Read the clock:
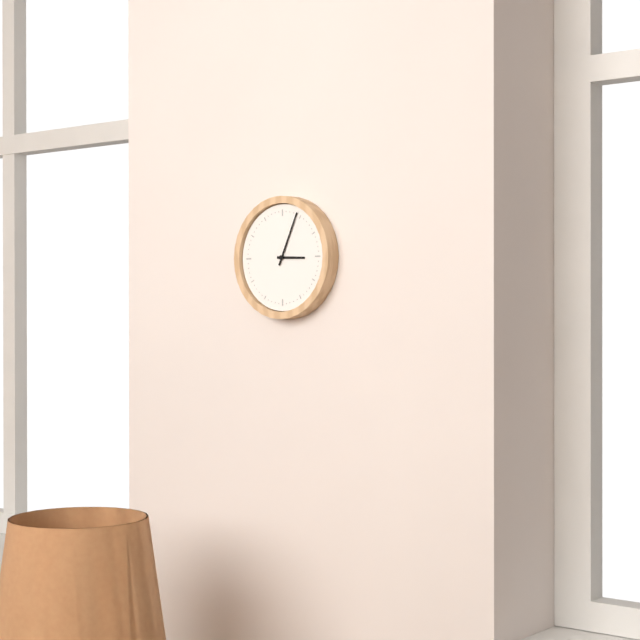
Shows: 3:04
